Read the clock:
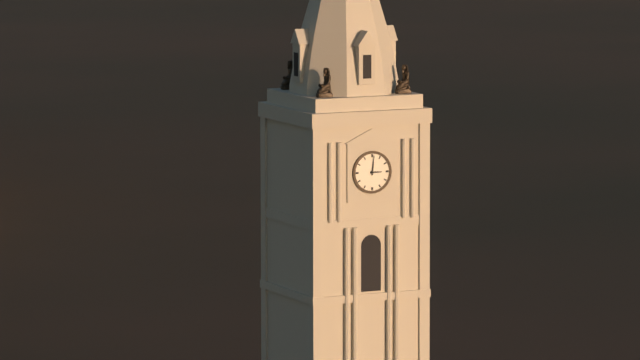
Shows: 3:01
